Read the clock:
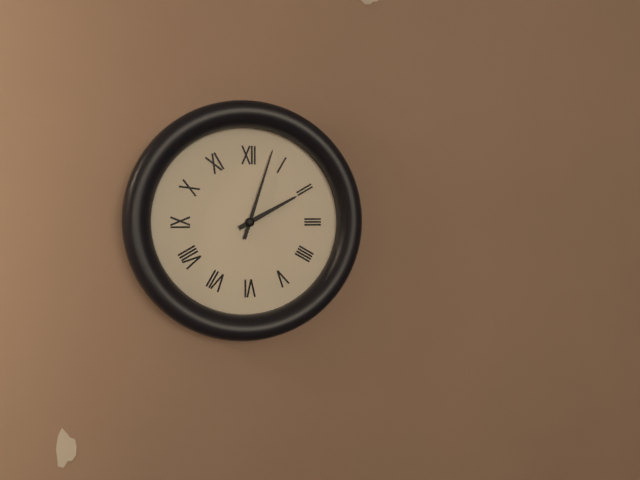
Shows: 2:03
